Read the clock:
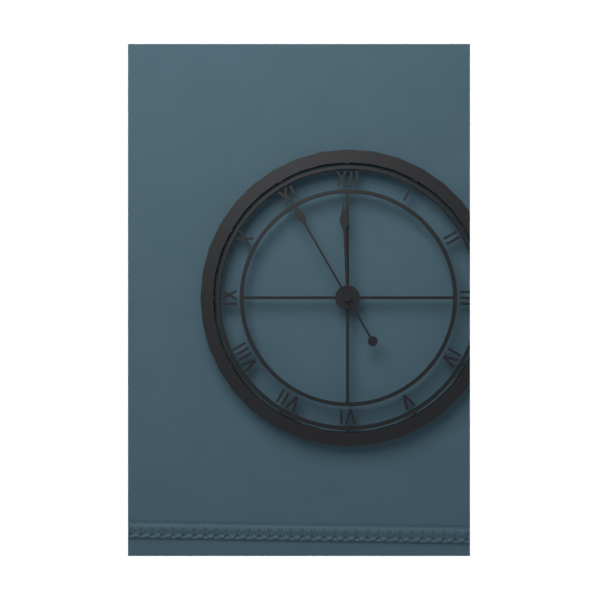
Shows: 11:55
